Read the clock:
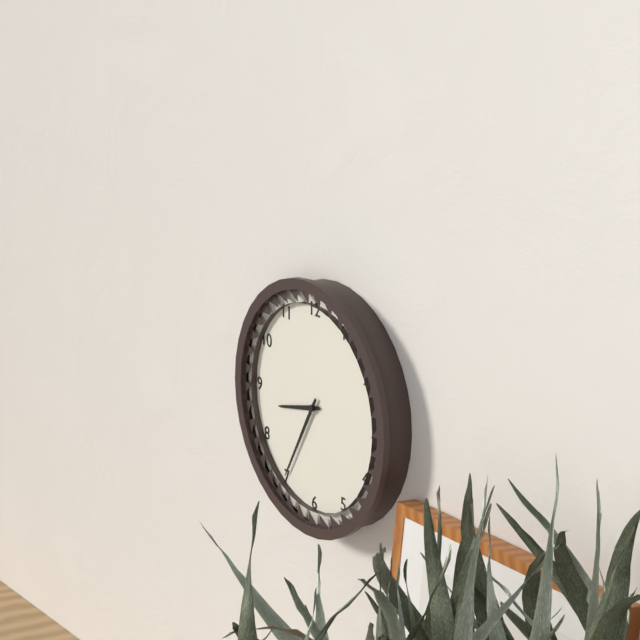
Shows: 8:35
